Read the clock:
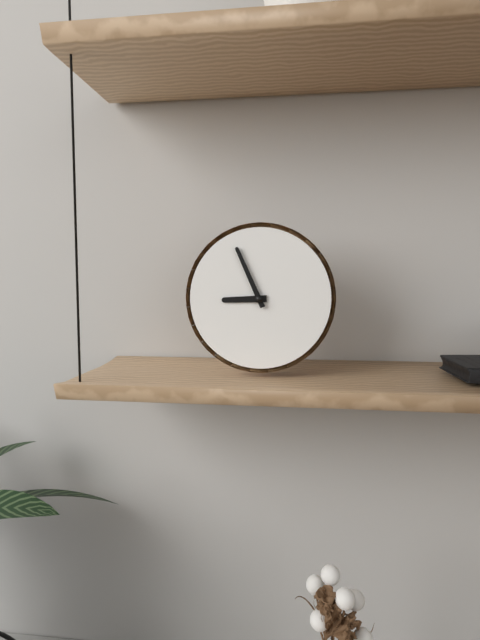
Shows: 8:56
